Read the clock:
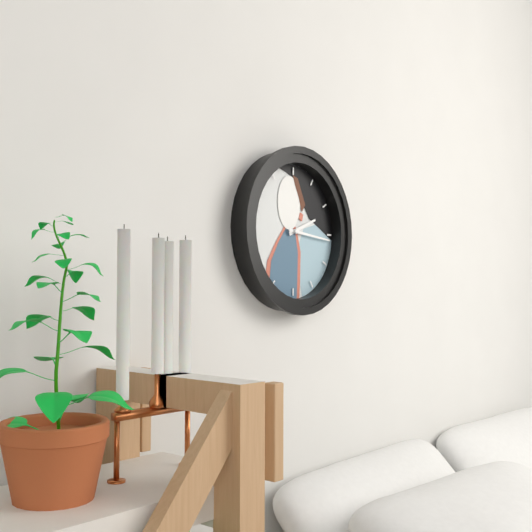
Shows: 2:16
